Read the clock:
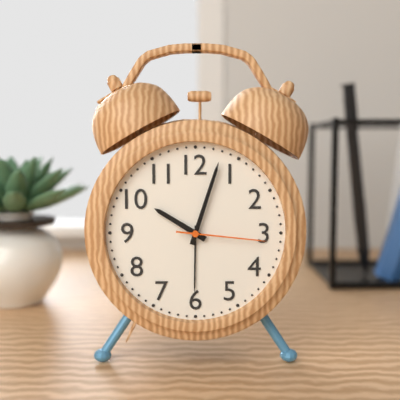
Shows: 10:03:16
